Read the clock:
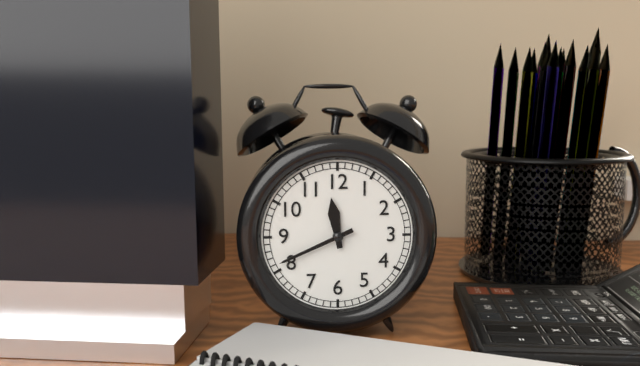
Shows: 11:41
